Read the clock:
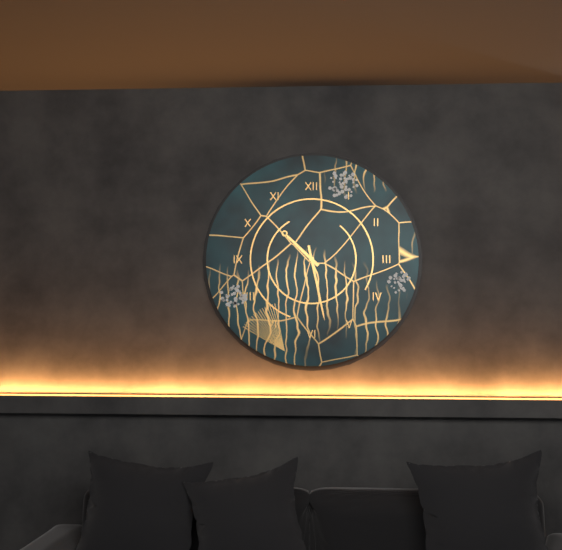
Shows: 10:28
